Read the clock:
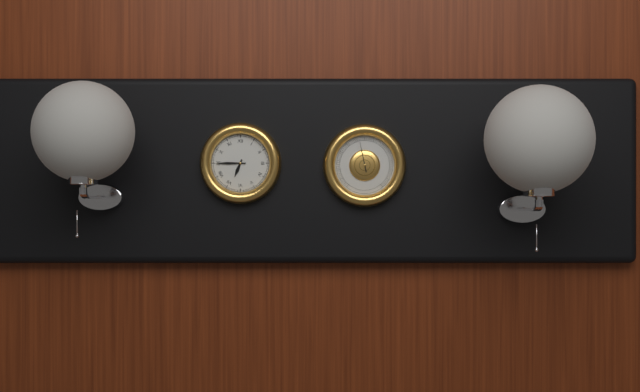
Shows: 6:45
